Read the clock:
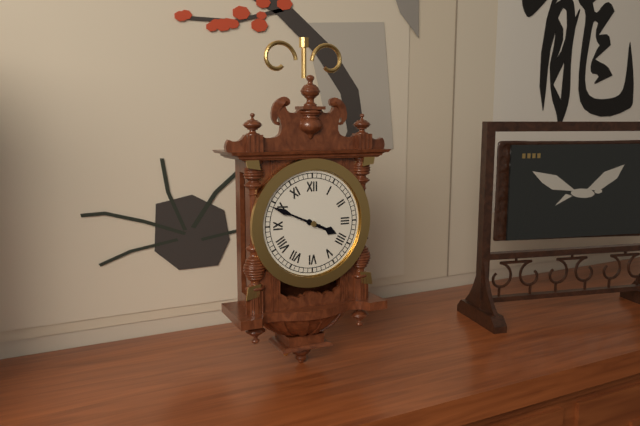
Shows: 3:49
